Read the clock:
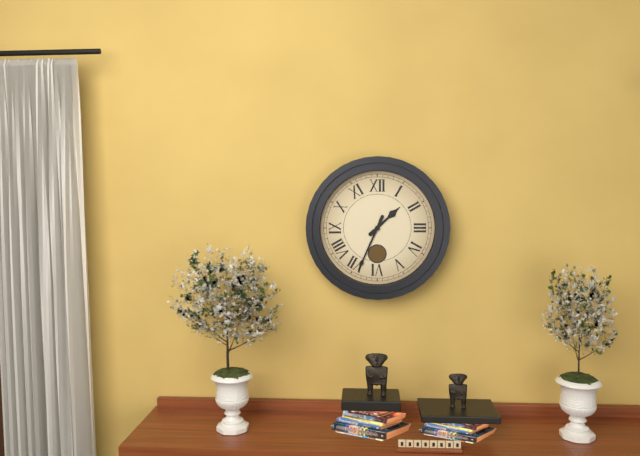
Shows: 1:34
